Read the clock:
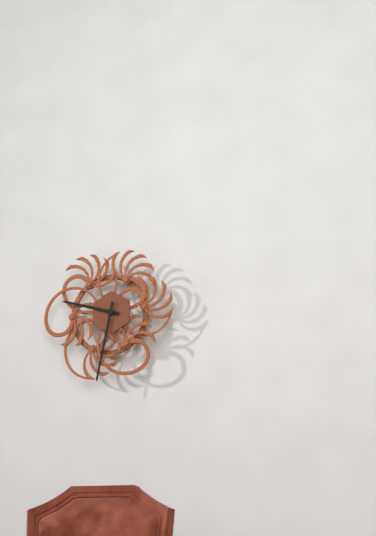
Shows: 9:32
